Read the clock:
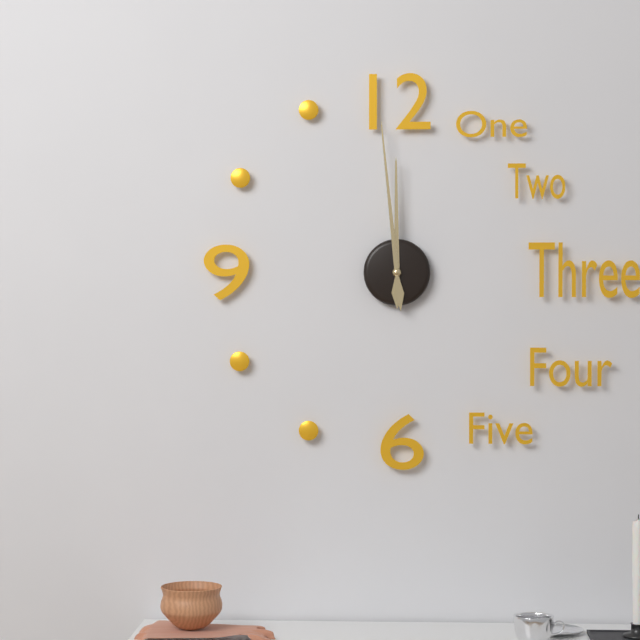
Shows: 11:59
